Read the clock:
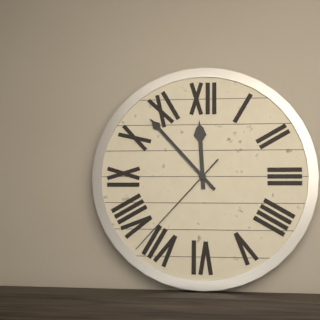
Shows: 11:53:37
